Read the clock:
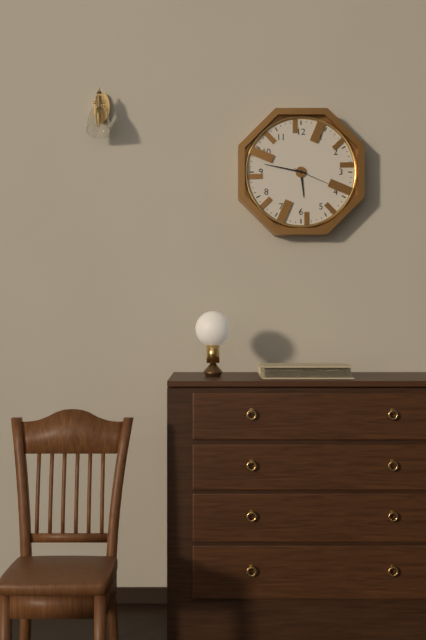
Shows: 5:47
